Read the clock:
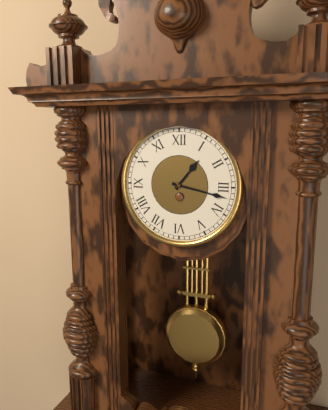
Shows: 1:17
